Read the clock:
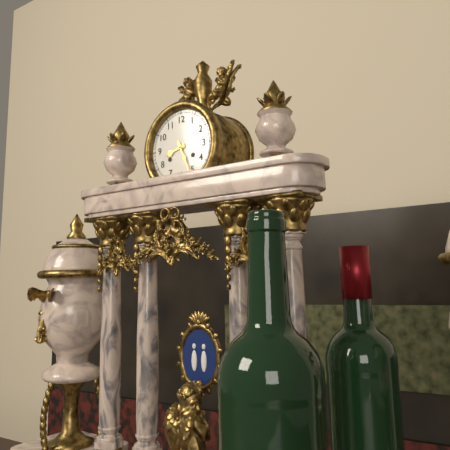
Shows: 8:26
